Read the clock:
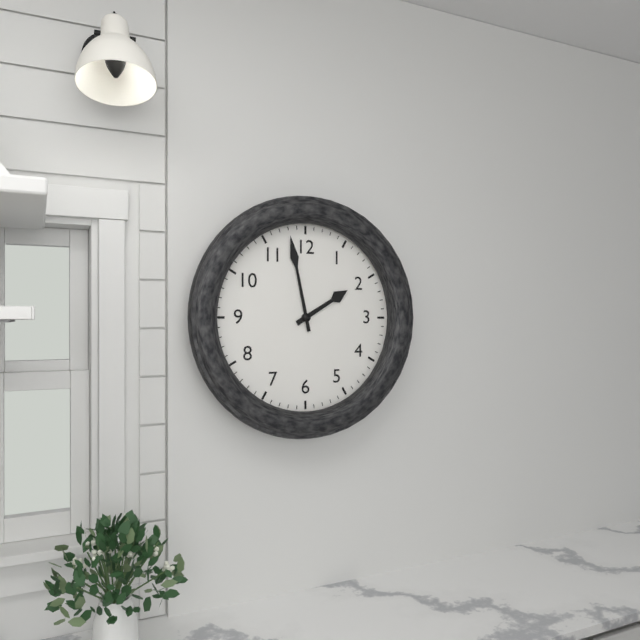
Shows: 1:58
